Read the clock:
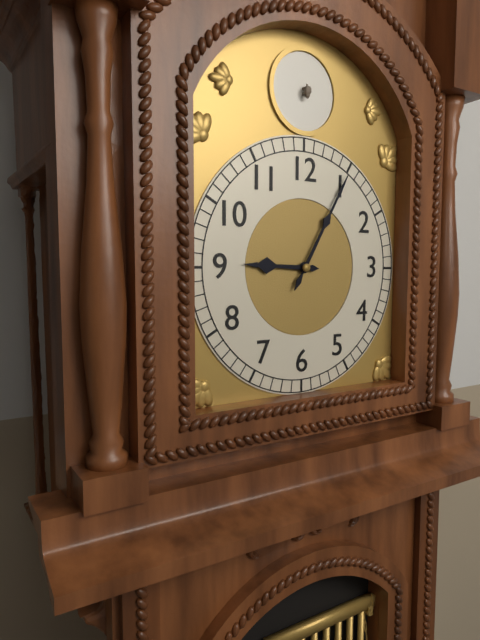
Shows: 9:05
